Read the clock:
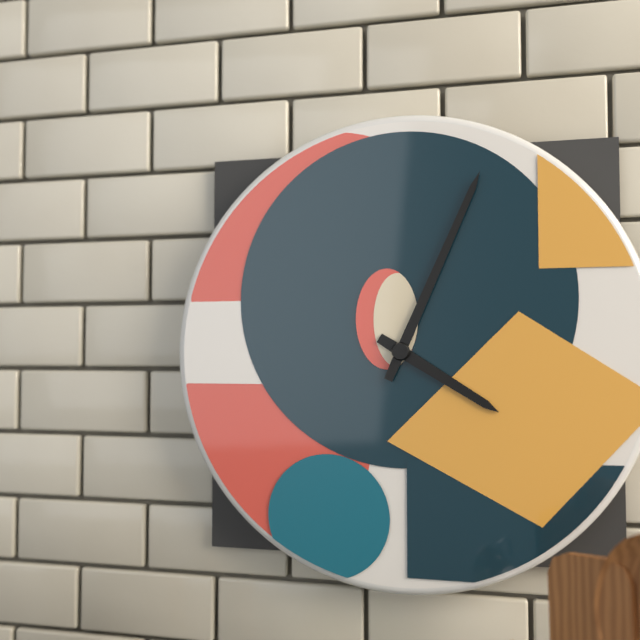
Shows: 4:04
